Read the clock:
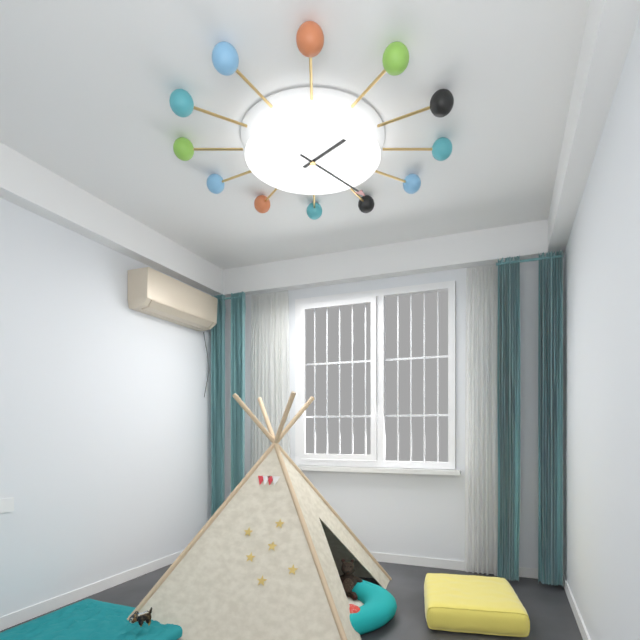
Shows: 1:23
